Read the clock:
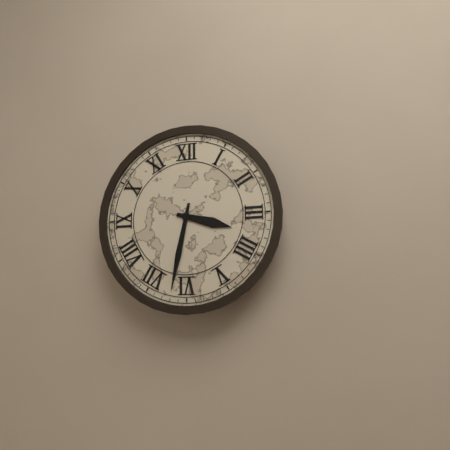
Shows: 3:32
